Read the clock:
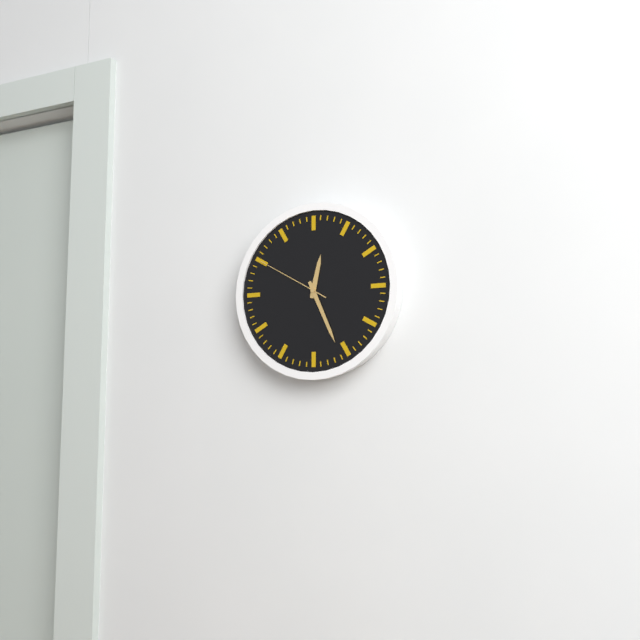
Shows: 12:26:50
